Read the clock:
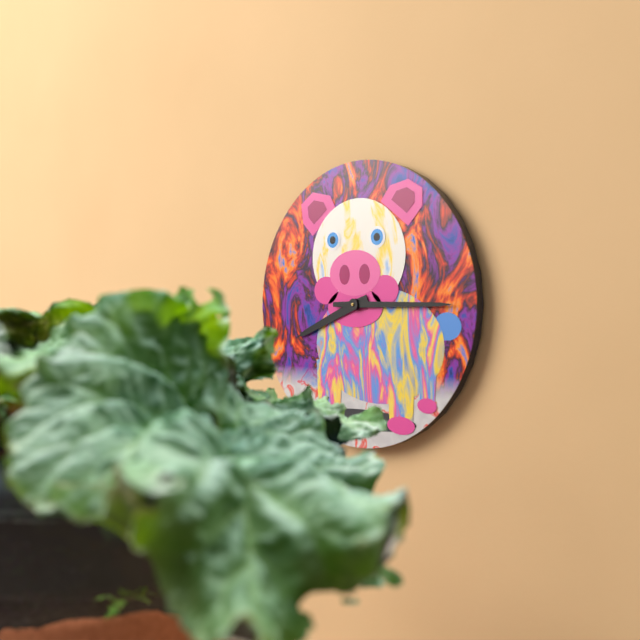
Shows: 8:15
